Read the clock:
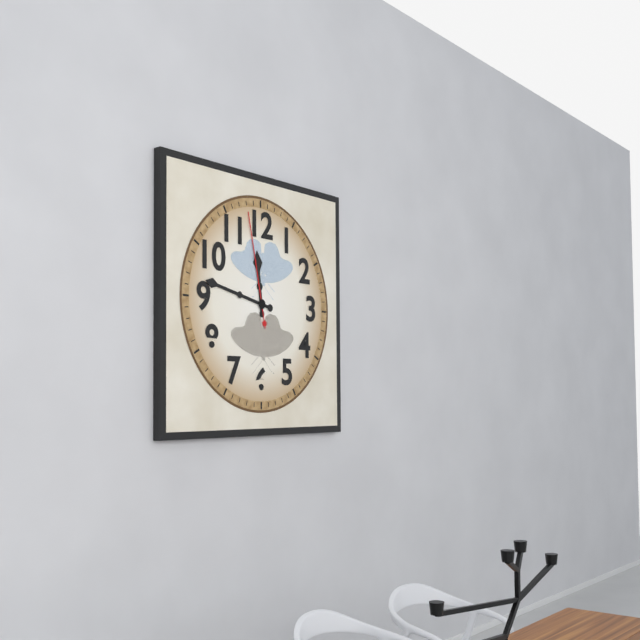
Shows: 11:47:58
